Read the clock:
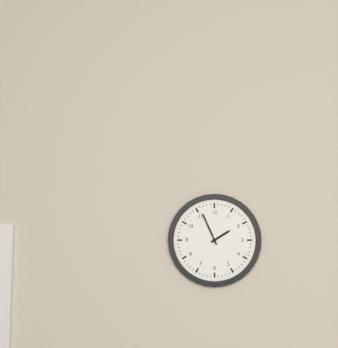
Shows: 1:56
